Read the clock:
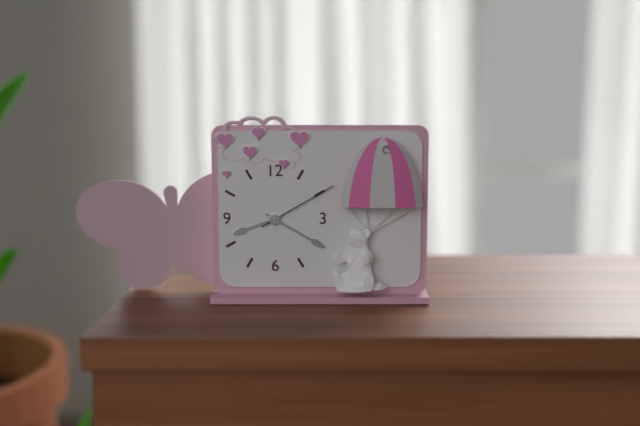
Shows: 8:20:10
